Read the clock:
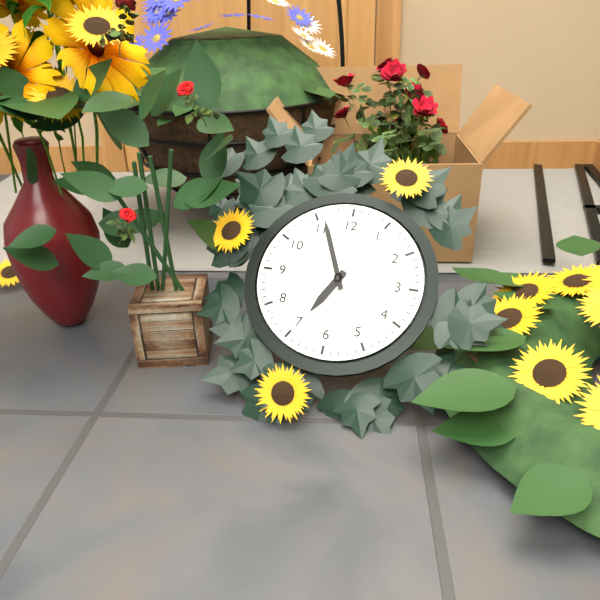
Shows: 6:56
